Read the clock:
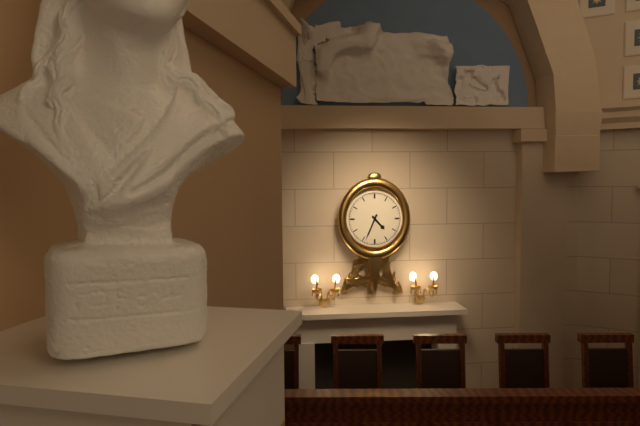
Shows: 4:34
